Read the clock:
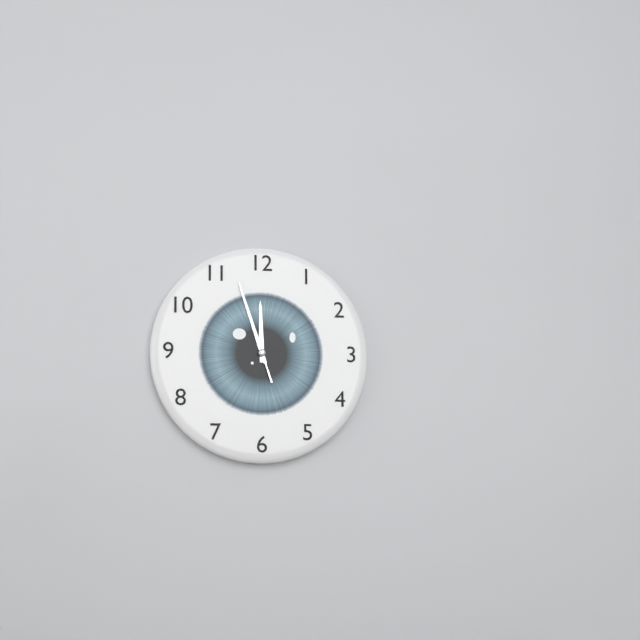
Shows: 11:57:57
